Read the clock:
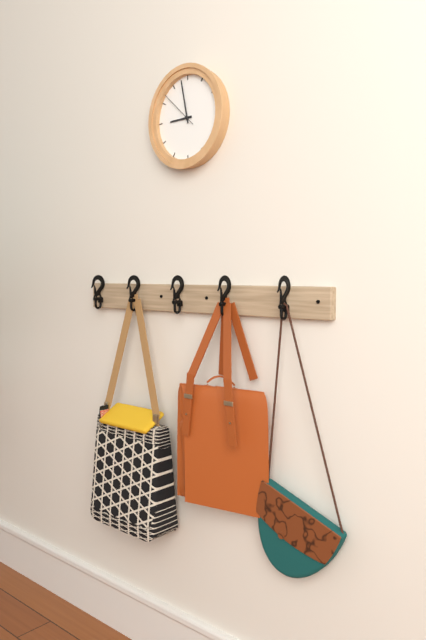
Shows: 8:58
